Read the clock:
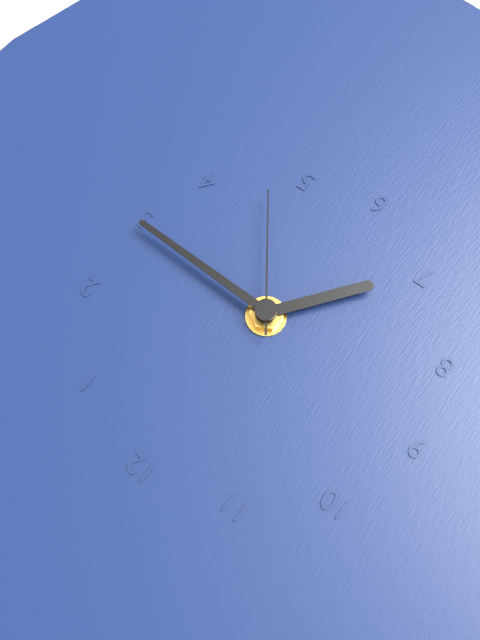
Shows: 7:15:24
